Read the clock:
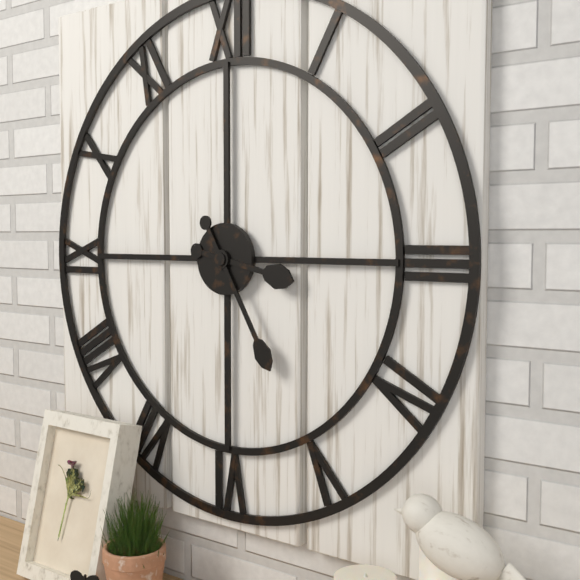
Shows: 3:25
